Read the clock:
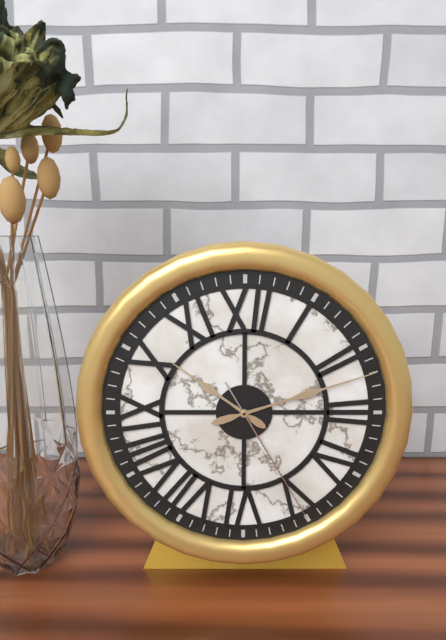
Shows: 10:12:25
